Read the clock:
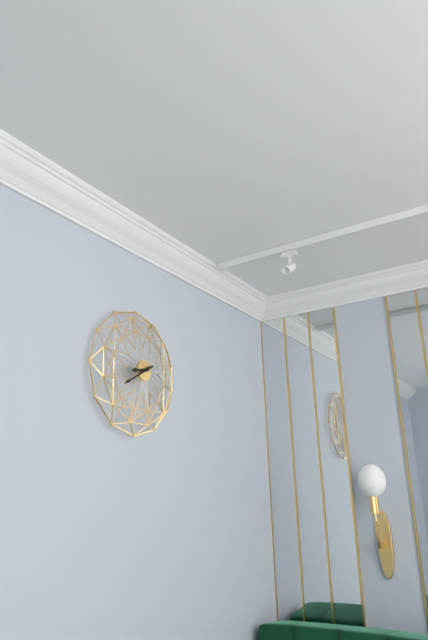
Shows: 8:40
